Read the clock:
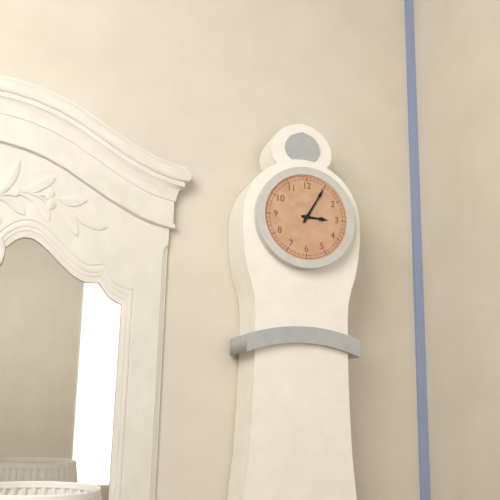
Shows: 3:05
